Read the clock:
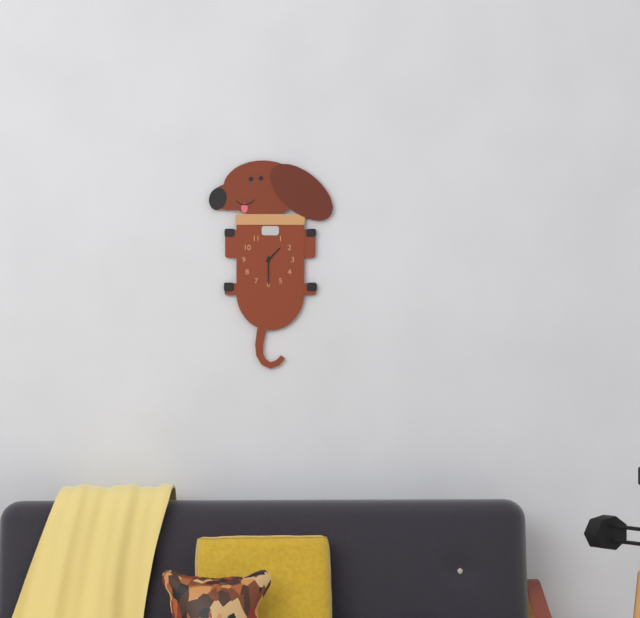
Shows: 1:30
